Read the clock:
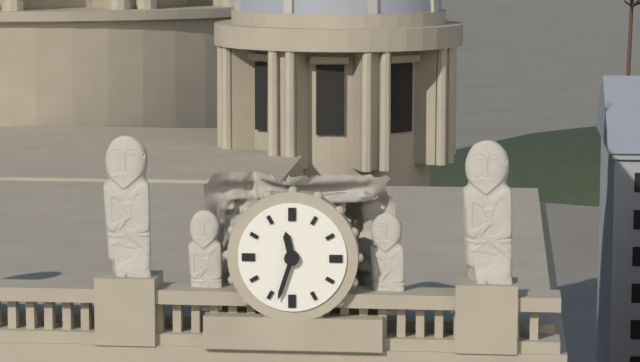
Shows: 11:33
